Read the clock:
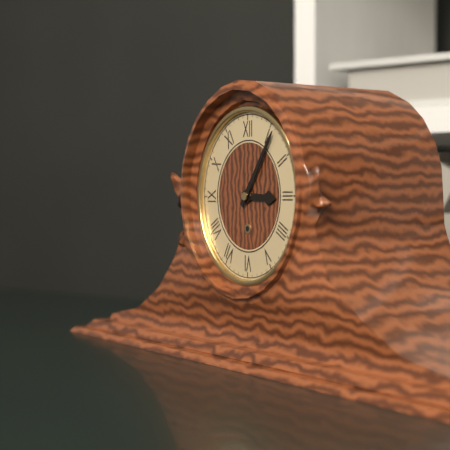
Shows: 3:06
